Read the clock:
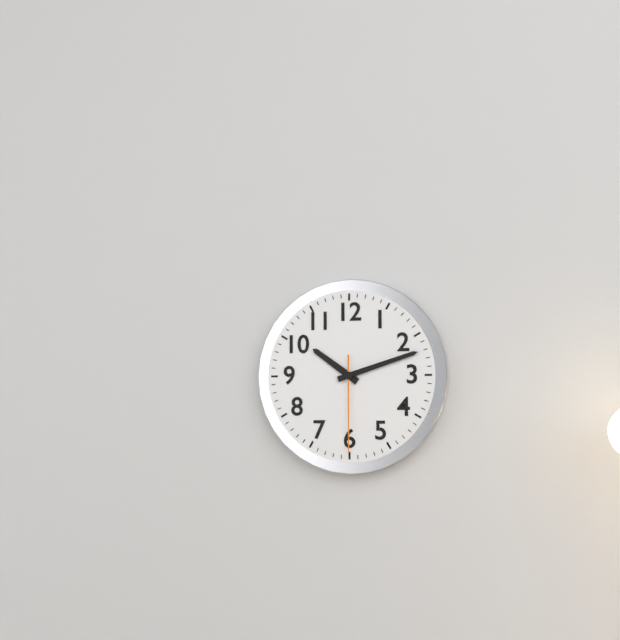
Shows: 10:12:30
